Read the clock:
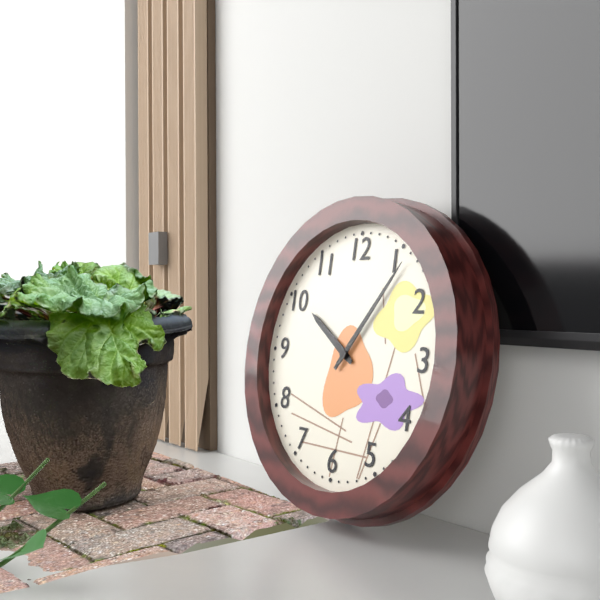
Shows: 10:06
